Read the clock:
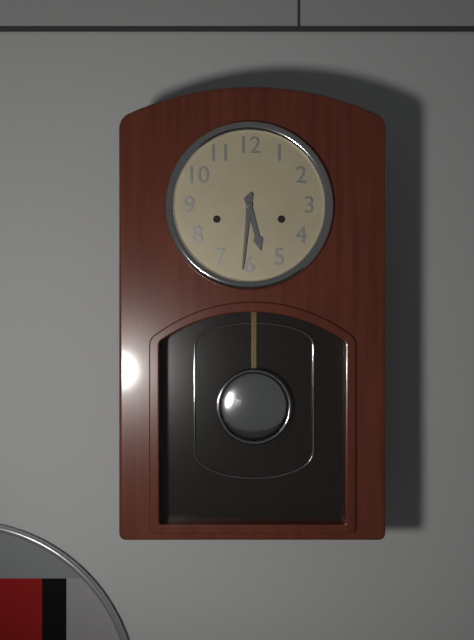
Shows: 5:31
